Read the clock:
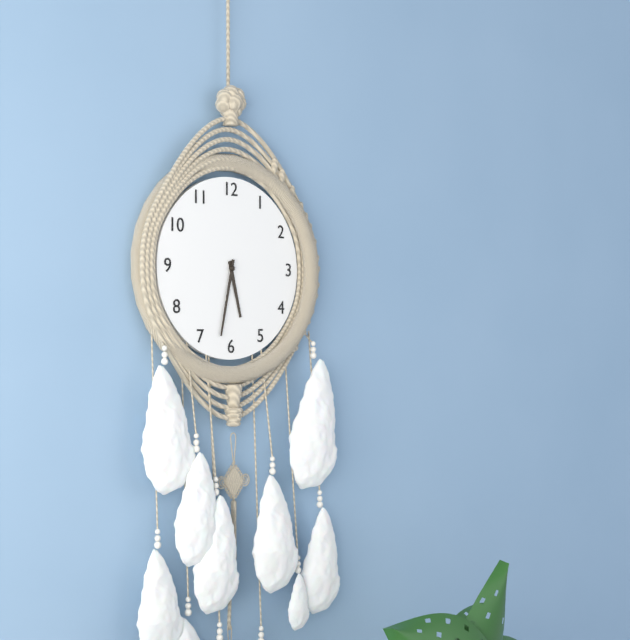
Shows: 5:32
